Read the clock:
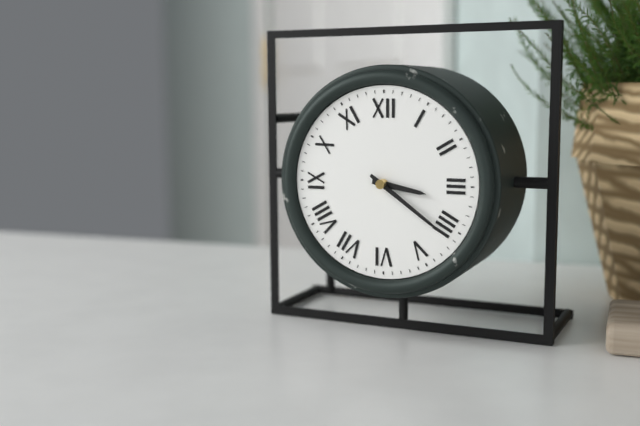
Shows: 3:21
